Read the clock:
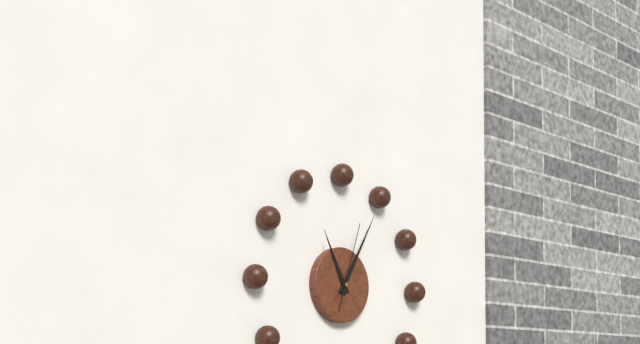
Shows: 11:05:03
